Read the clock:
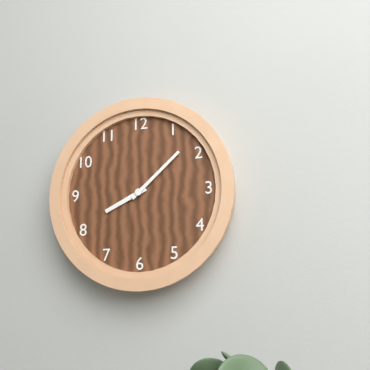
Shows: 8:08
